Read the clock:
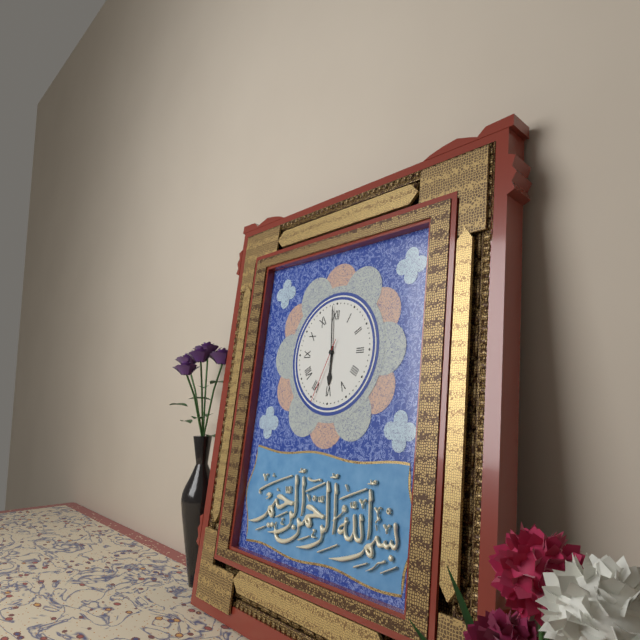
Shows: 5:59:34
